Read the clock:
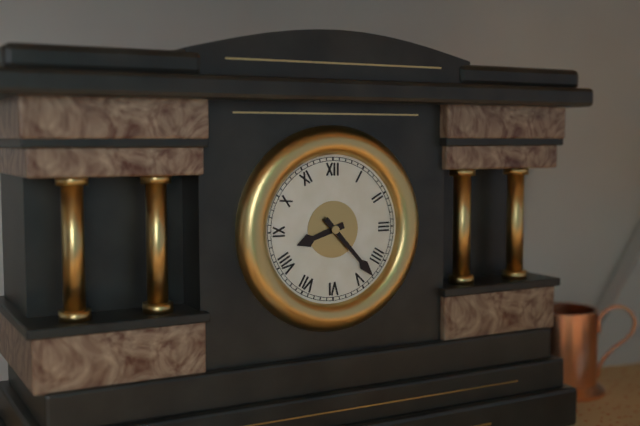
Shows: 8:23
